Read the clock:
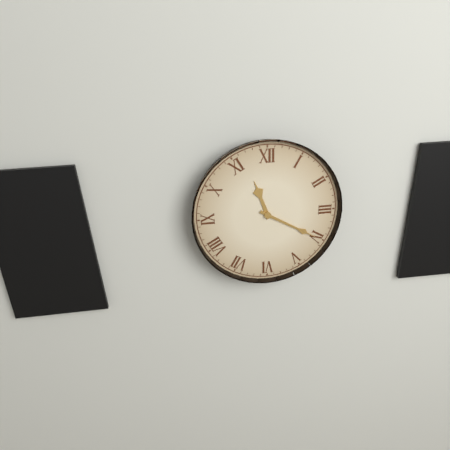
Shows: 11:20
